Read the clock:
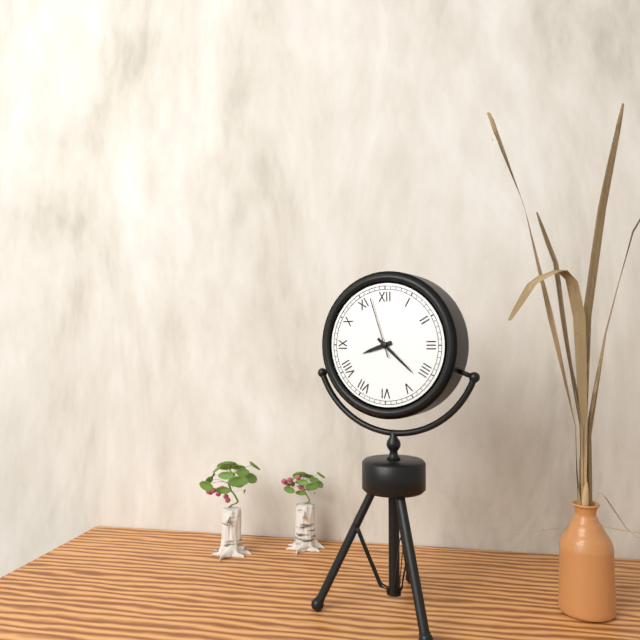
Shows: 8:22:57
